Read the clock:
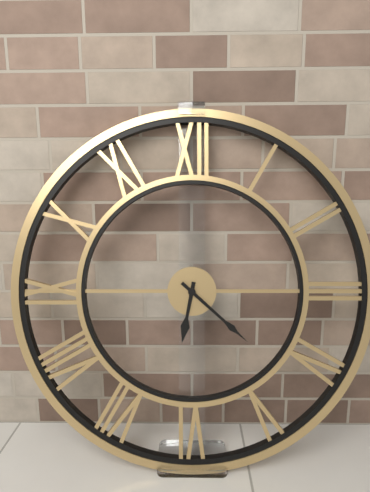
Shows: 6:22
